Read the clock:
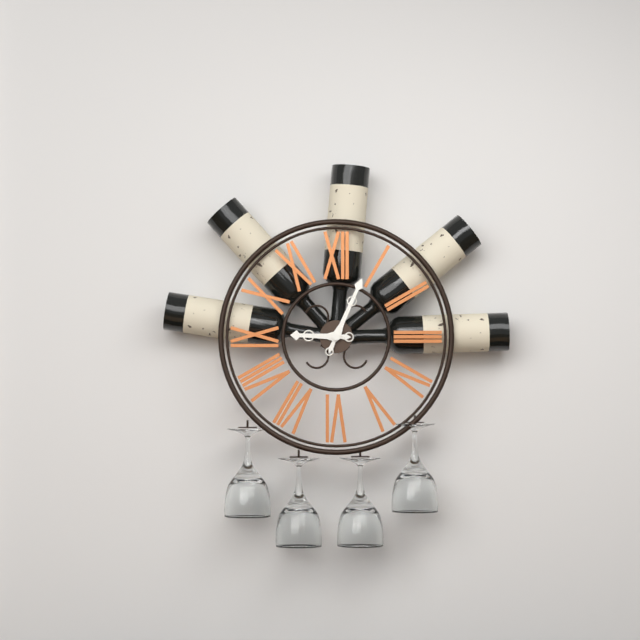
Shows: 9:04
